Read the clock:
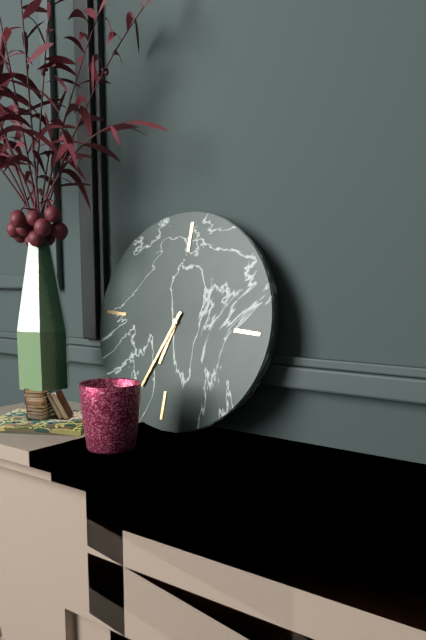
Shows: 6:34
